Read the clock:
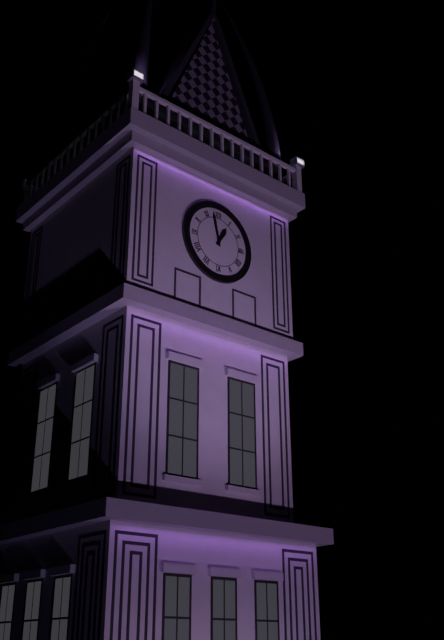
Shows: 12:58
